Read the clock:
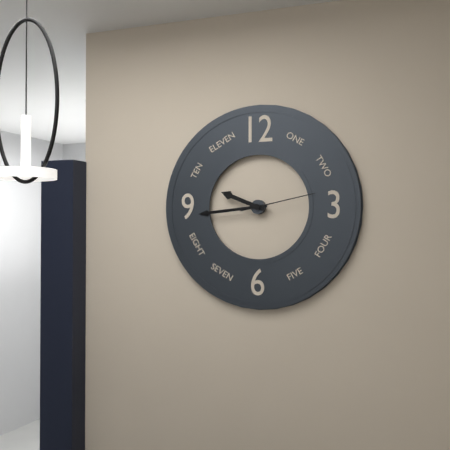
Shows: 9:44:13
